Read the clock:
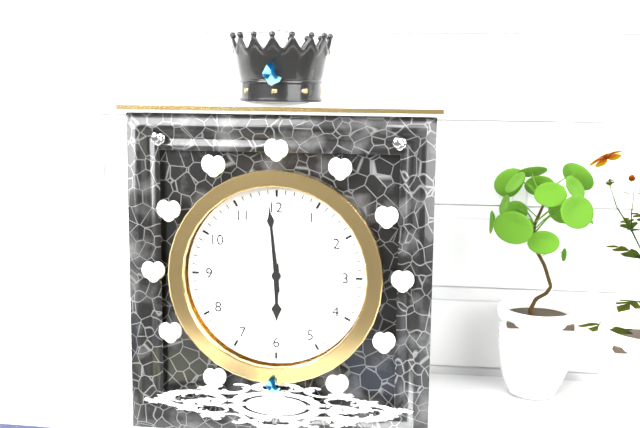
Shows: 5:59
